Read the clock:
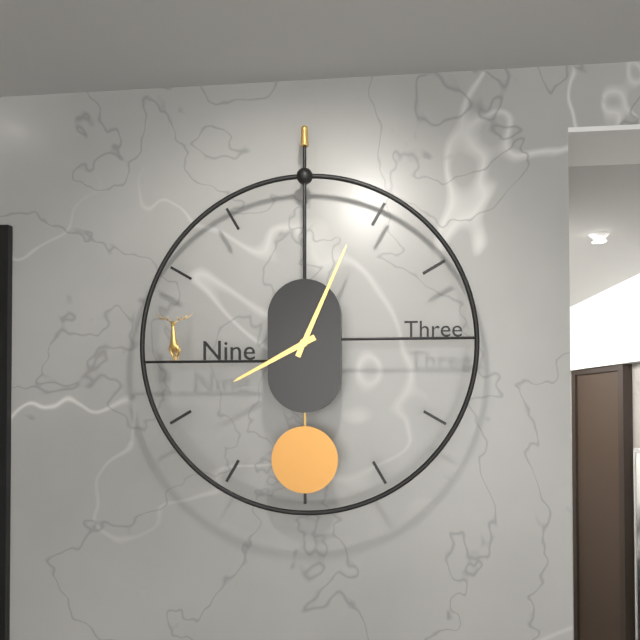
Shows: 8:04
